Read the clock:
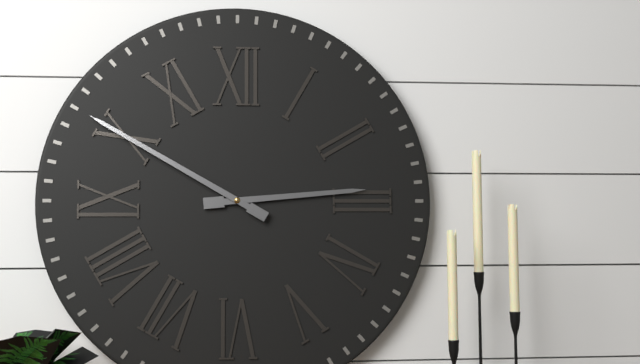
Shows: 2:50
